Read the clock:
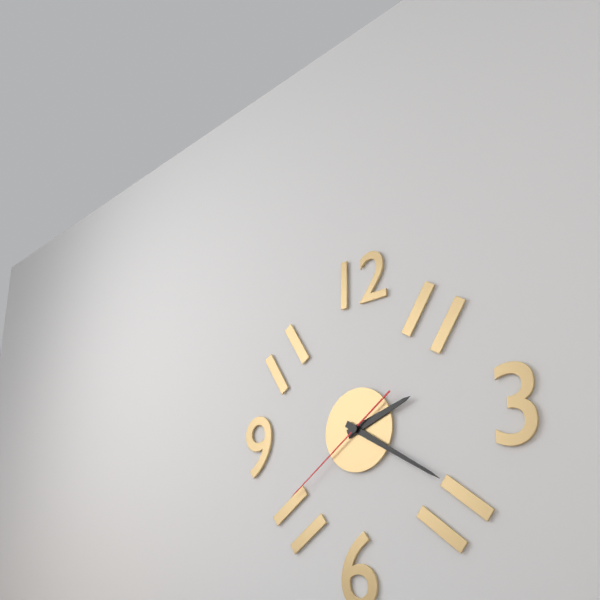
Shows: 2:20:39
